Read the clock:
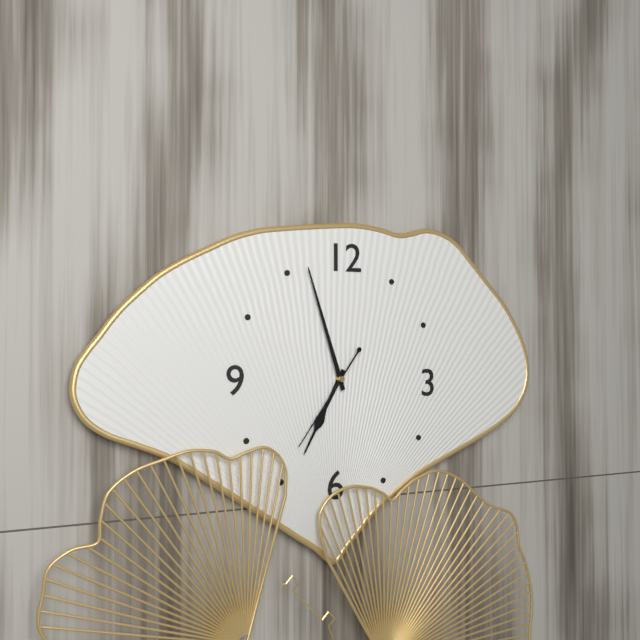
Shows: 6:57:36
